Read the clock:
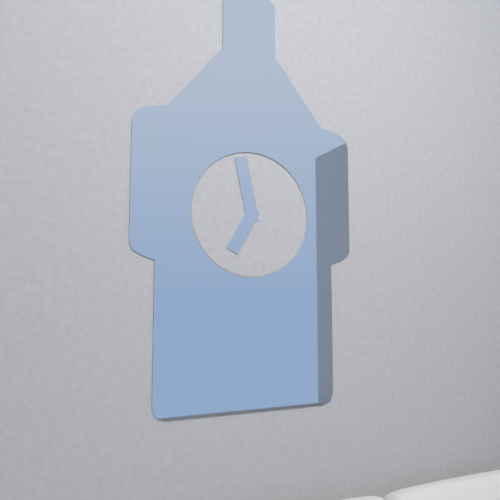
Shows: 6:58
